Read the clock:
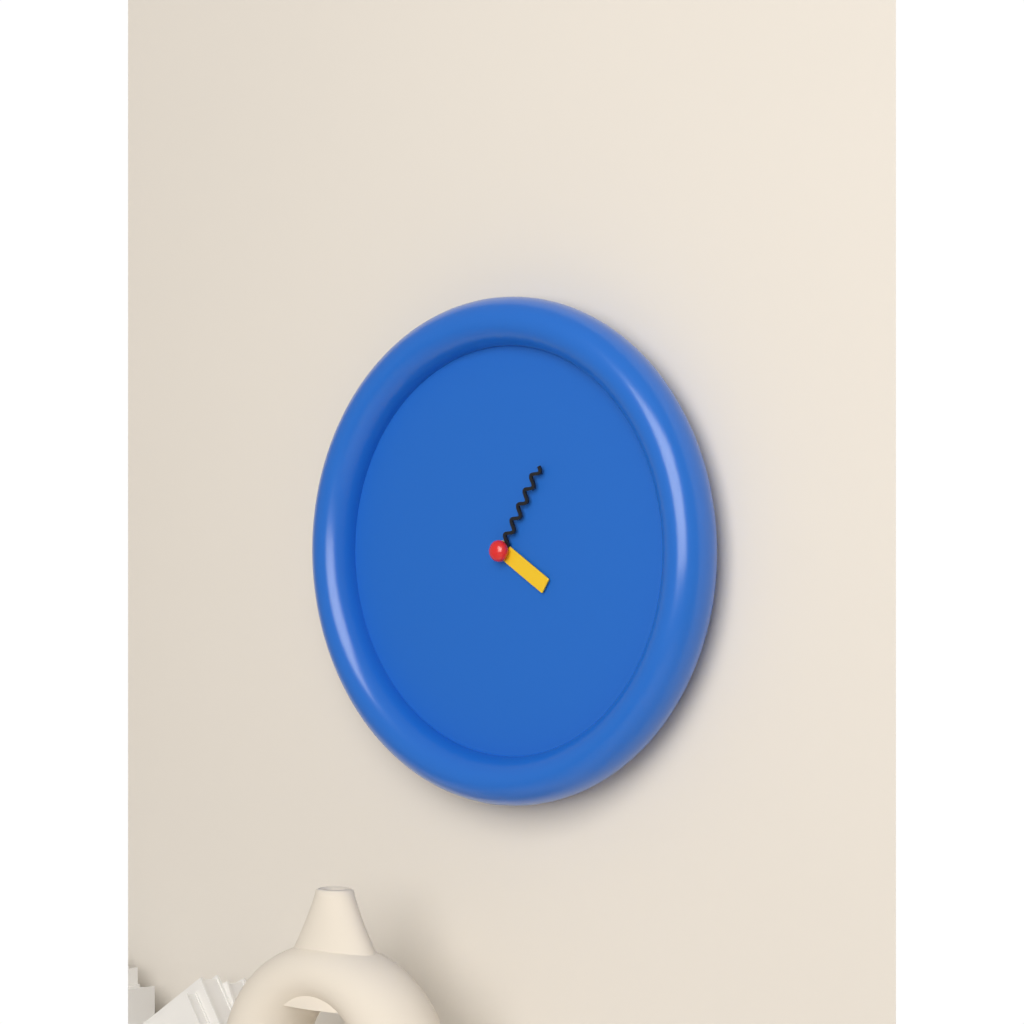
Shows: 4:05
